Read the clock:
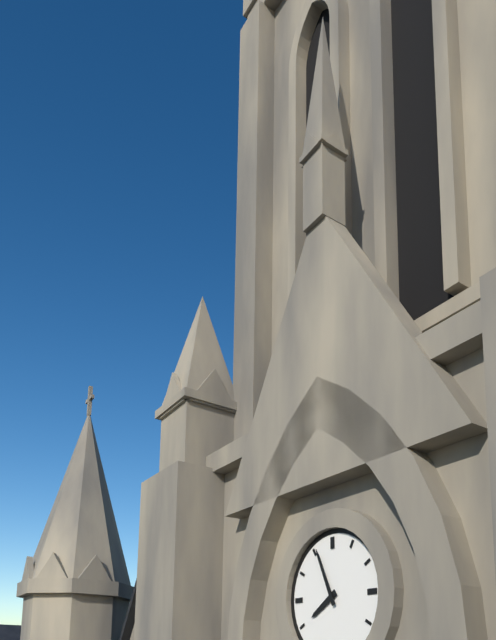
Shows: 7:56
